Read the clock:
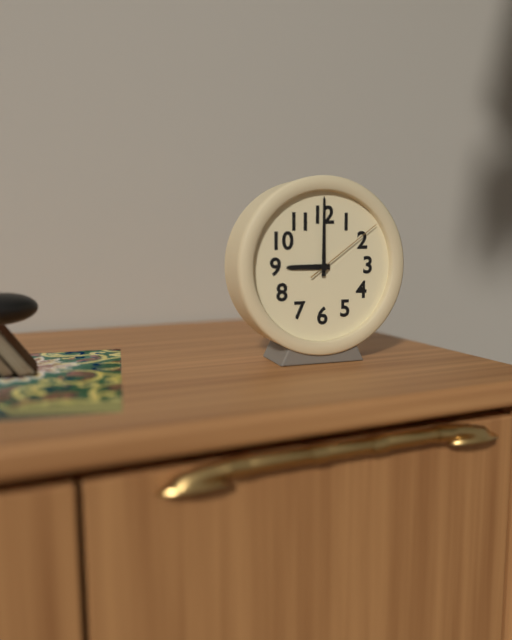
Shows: 9:00:09
